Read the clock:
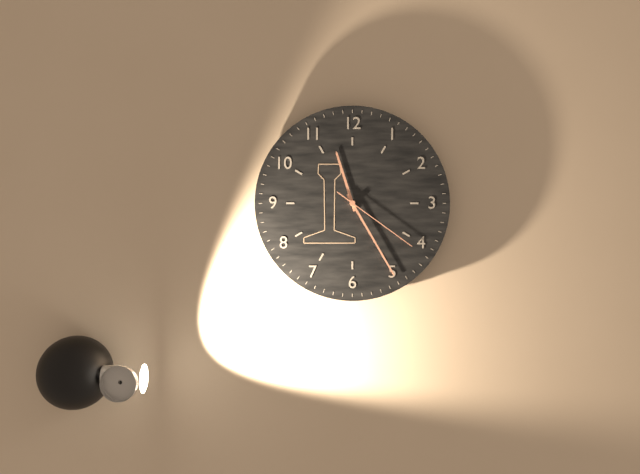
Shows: 11:25:21
